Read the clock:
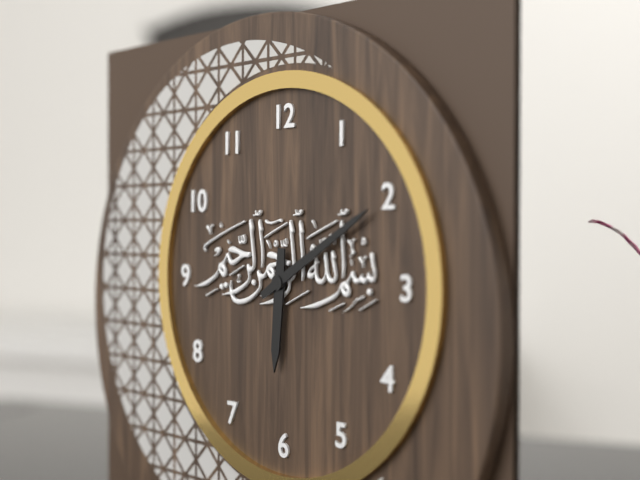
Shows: 6:10
